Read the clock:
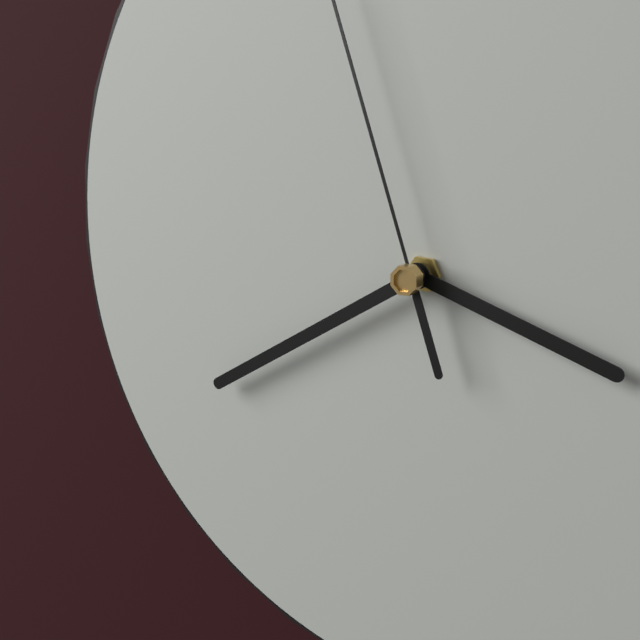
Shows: 3:40
